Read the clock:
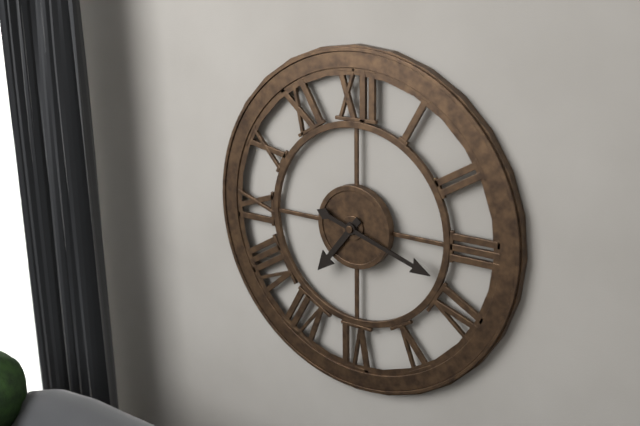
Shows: 7:18
